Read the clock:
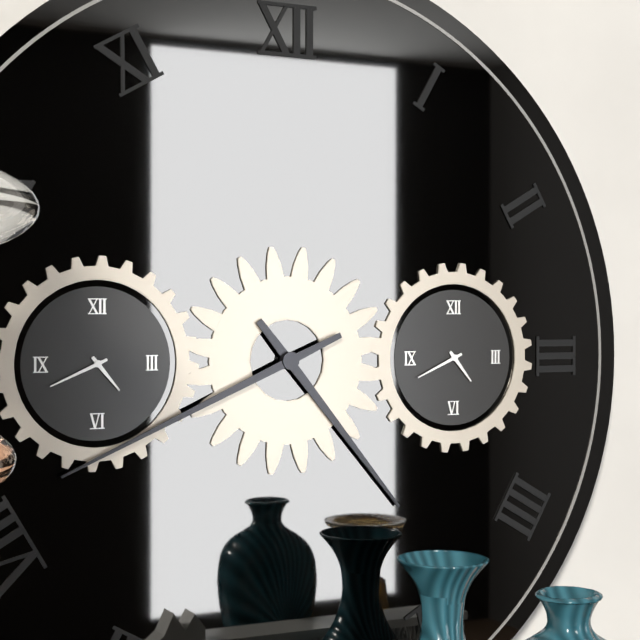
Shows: 4:41
